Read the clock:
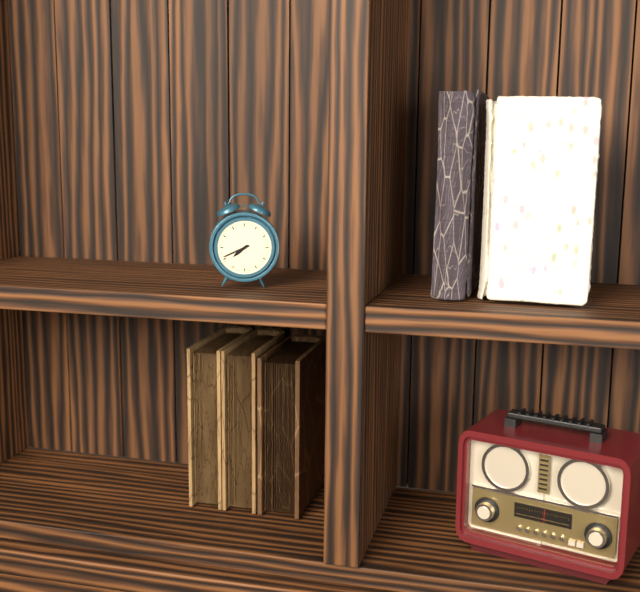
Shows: 7:41
